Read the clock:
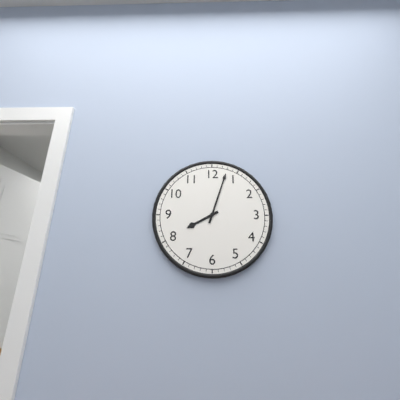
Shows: 8:03
